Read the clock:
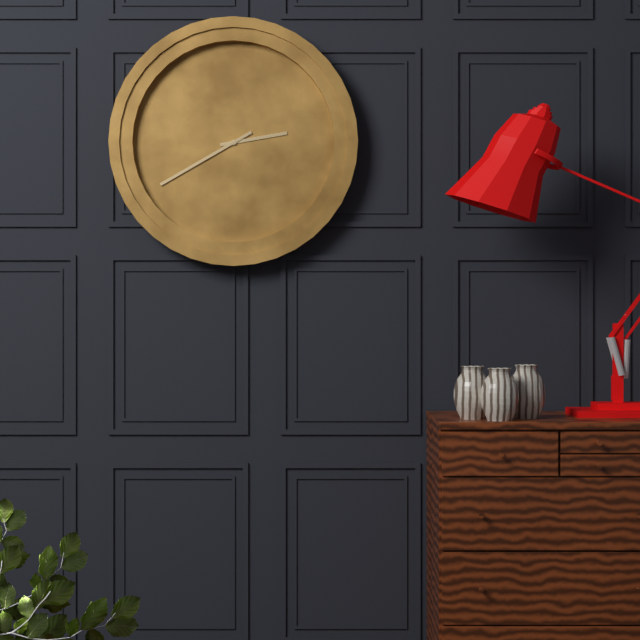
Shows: 2:40
